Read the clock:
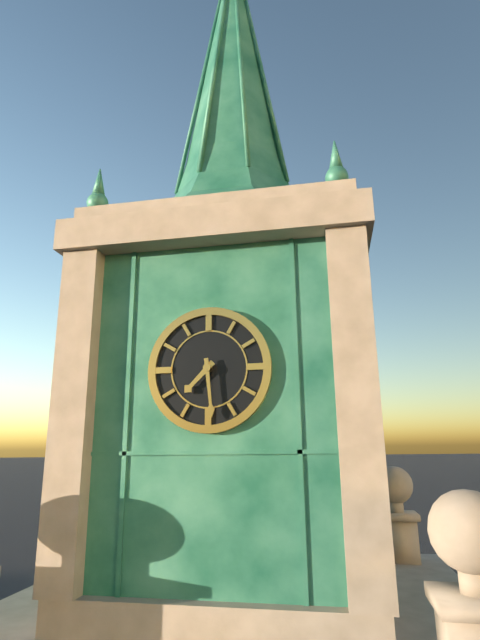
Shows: 7:29
